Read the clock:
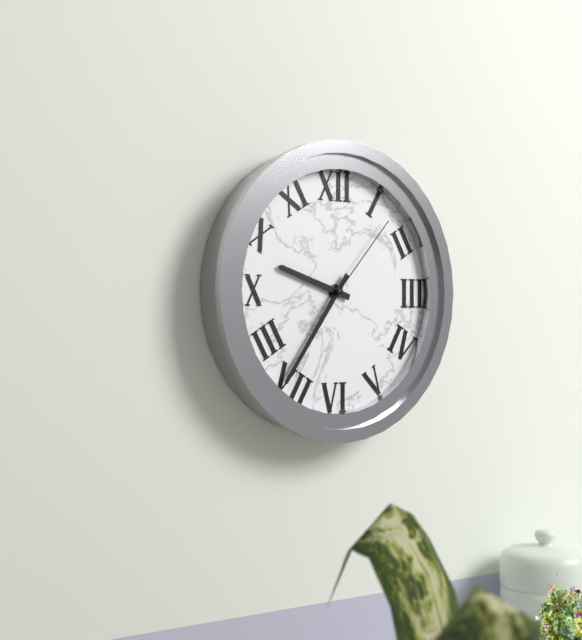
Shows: 9:36:07
